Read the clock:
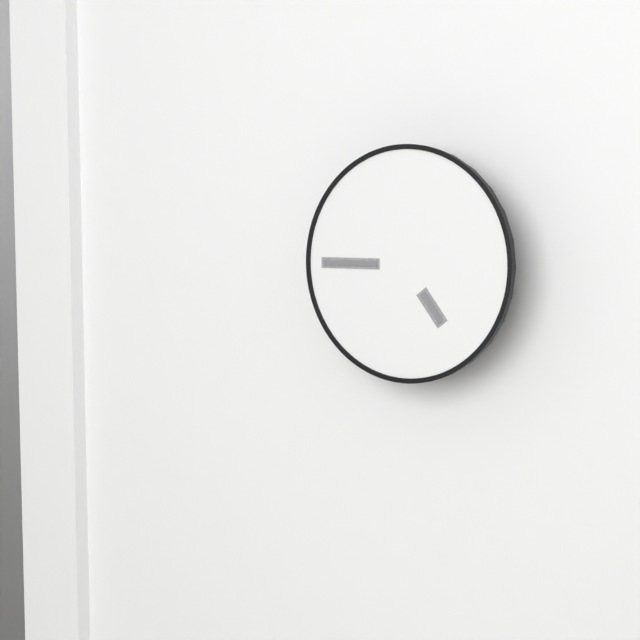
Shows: 4:45
